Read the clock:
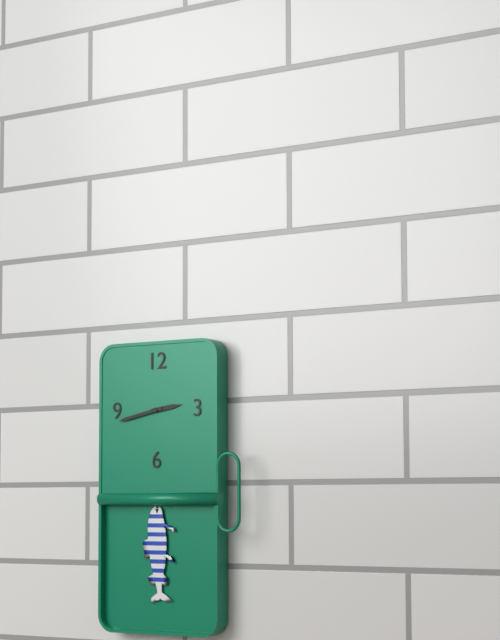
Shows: 2:43
